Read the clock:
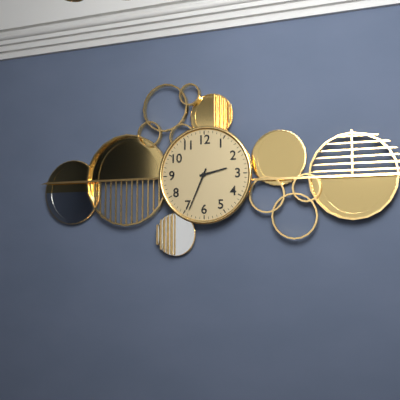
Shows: 2:34
